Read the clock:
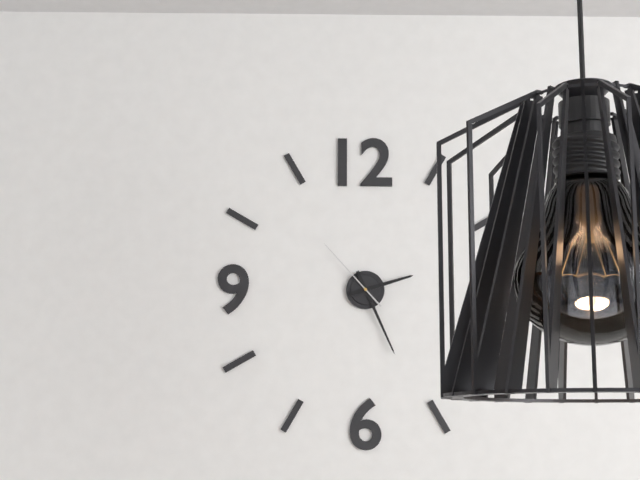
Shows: 2:26:53
